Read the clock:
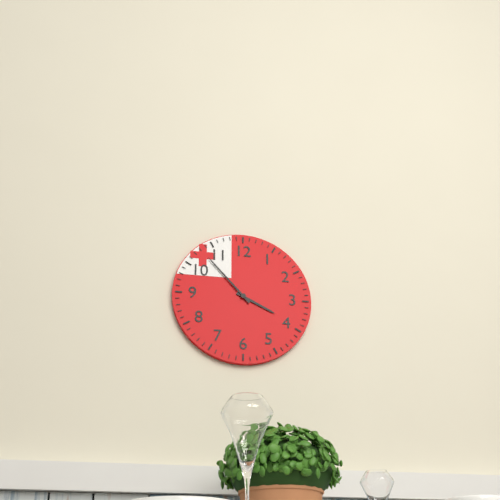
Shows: 3:53
